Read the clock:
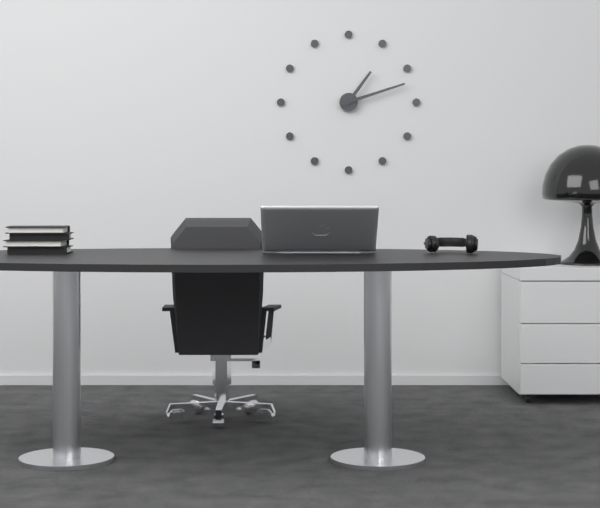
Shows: 1:12
